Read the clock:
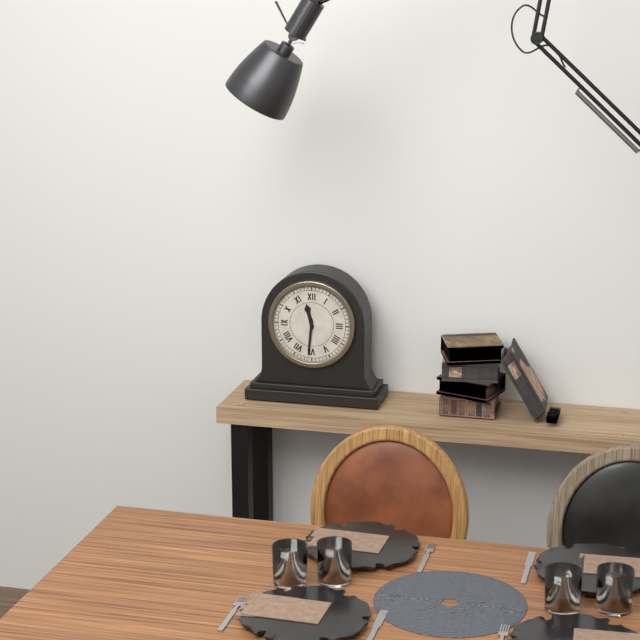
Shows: 11:31
